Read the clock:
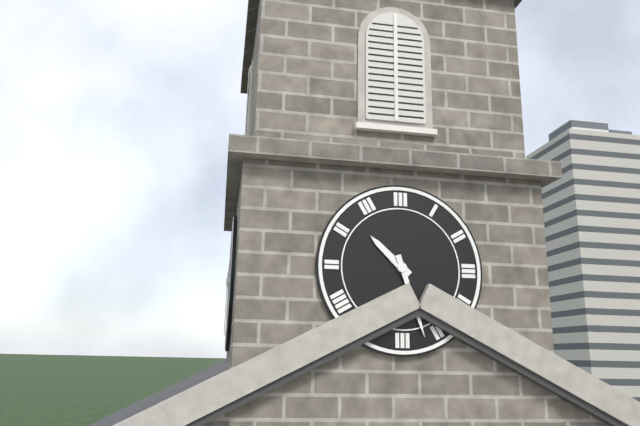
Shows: 10:27
